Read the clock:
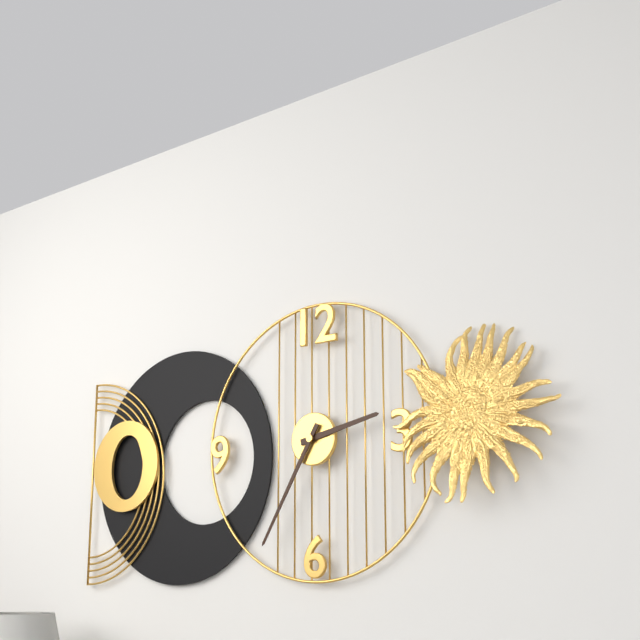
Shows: 2:35
